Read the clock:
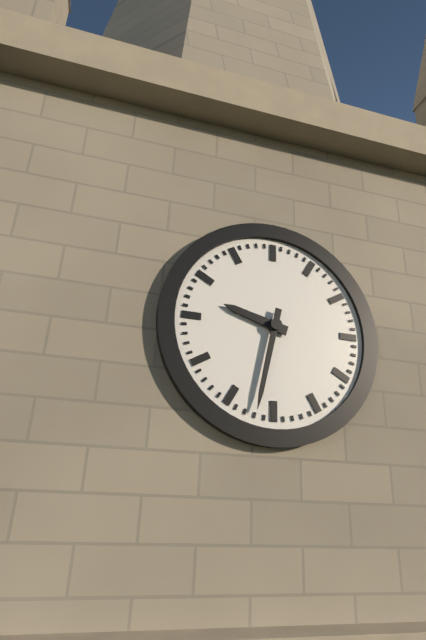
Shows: 9:32
